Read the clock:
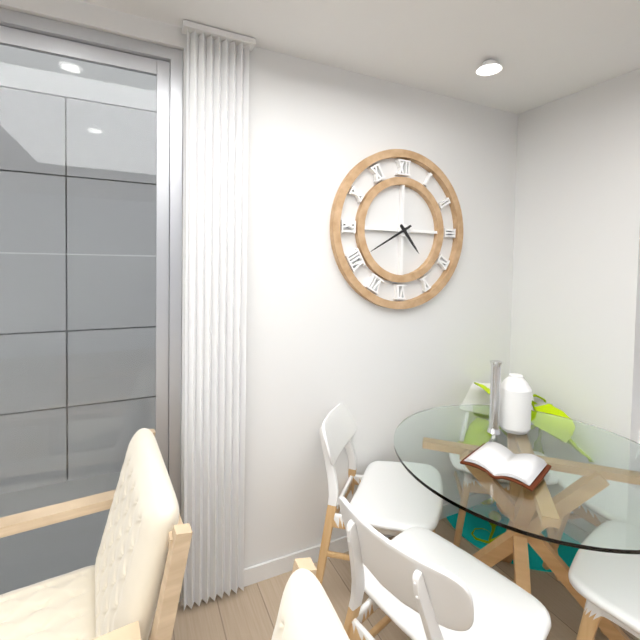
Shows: 4:40
